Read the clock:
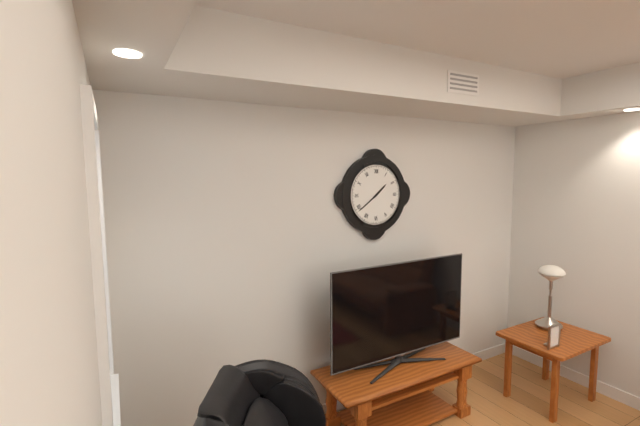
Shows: 1:39
